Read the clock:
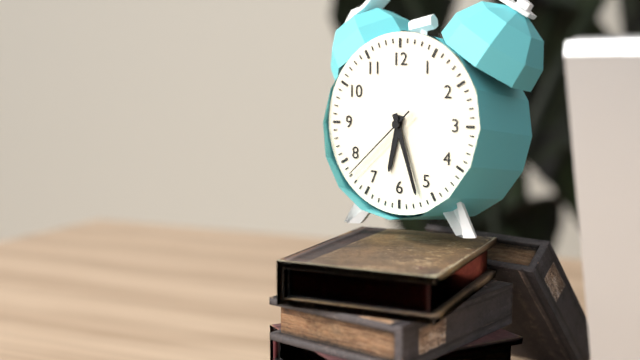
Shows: 6:27:38
